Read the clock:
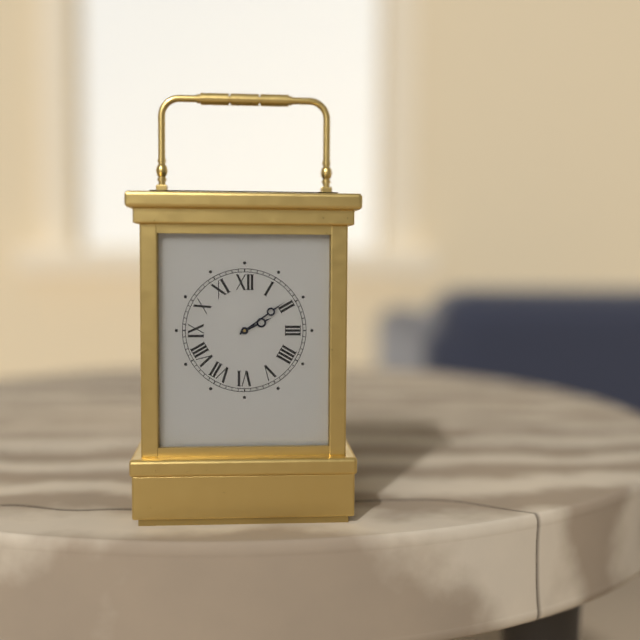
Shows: 2:09
